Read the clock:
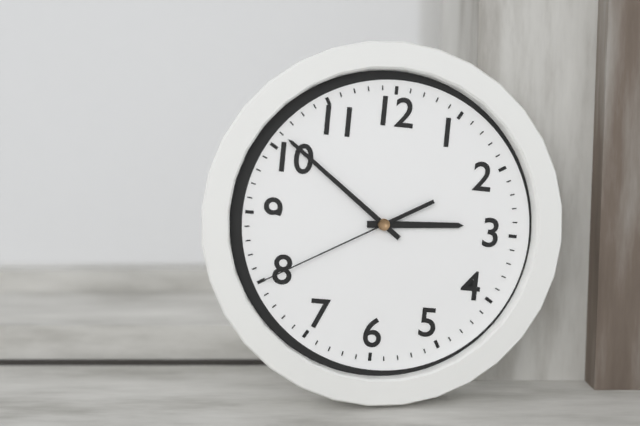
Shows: 2:51:40
